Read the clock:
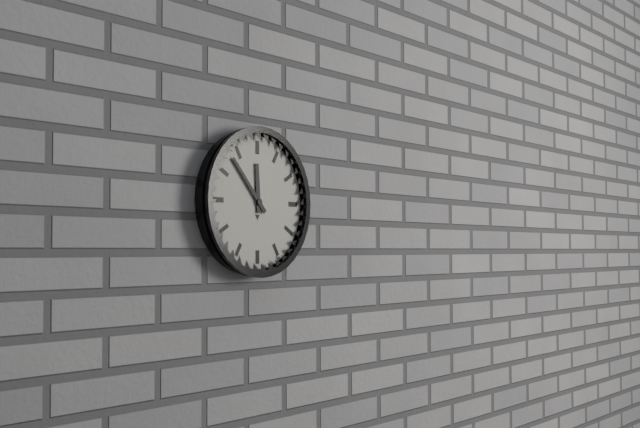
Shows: 11:53
